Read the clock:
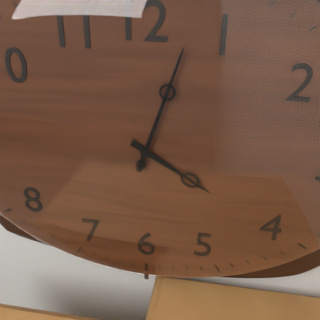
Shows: 4:03
